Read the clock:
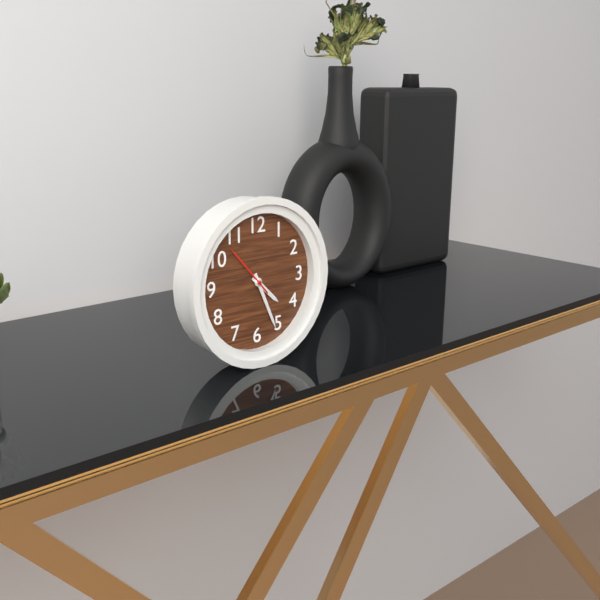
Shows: 4:26:53
